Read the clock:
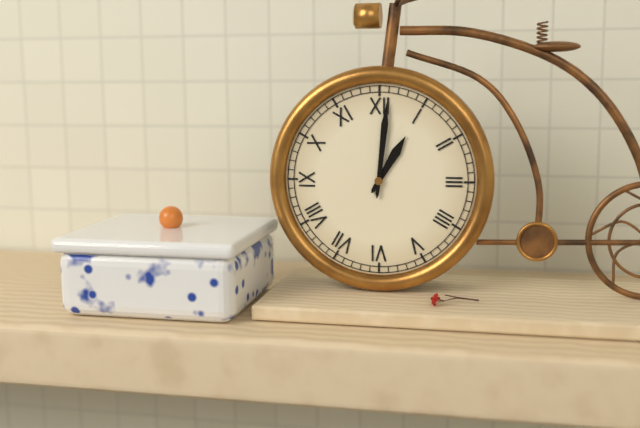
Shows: 1:01
